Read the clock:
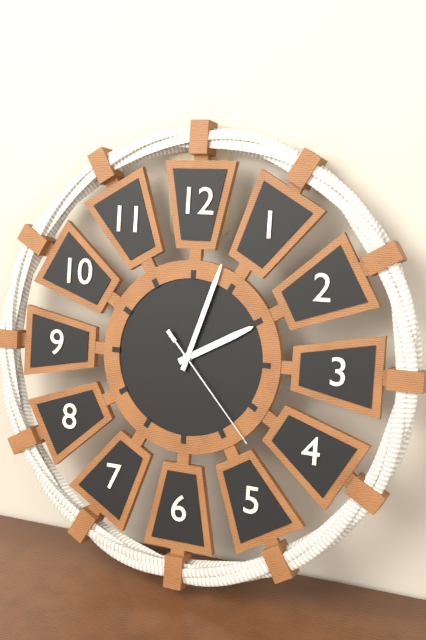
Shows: 2:03:23
